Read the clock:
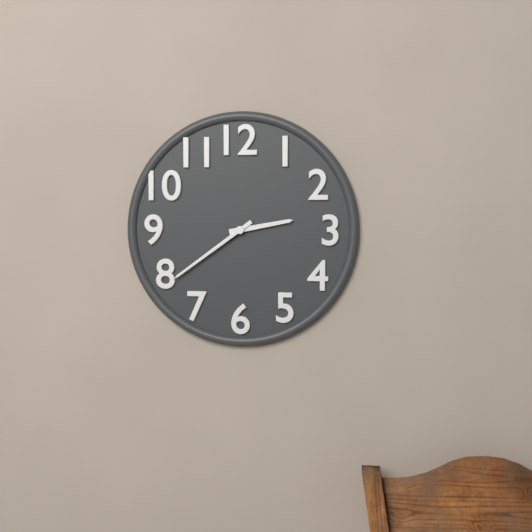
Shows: 2:39
